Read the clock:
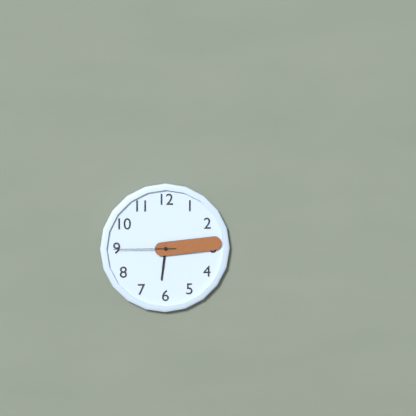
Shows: 6:14:45
